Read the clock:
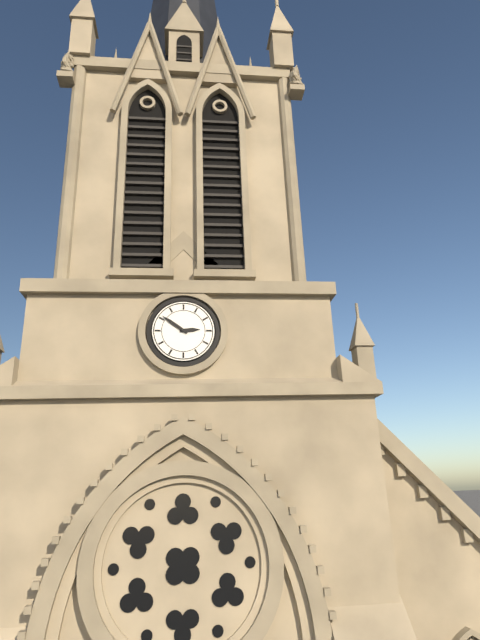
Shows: 2:51
